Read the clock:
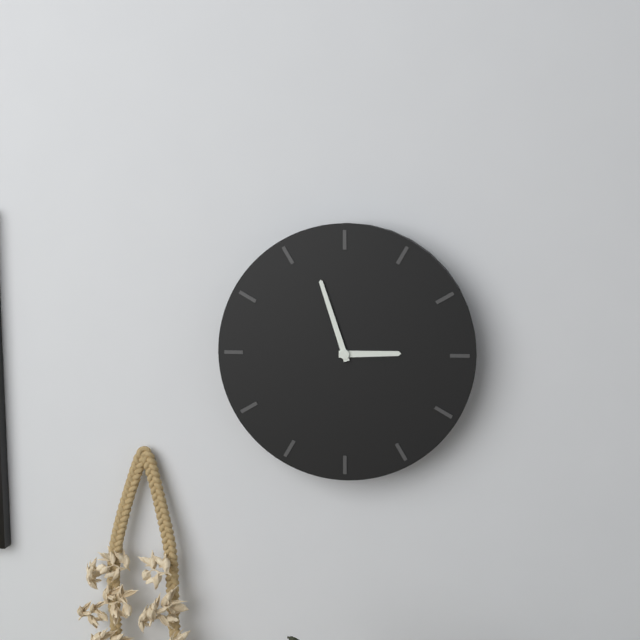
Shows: 2:57
